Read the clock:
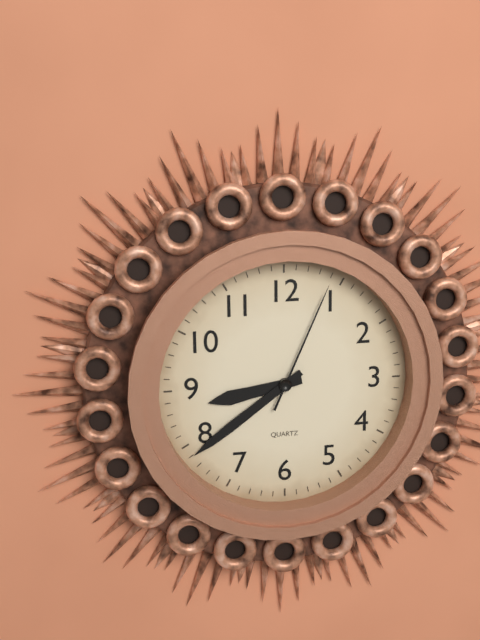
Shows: 8:39:04
